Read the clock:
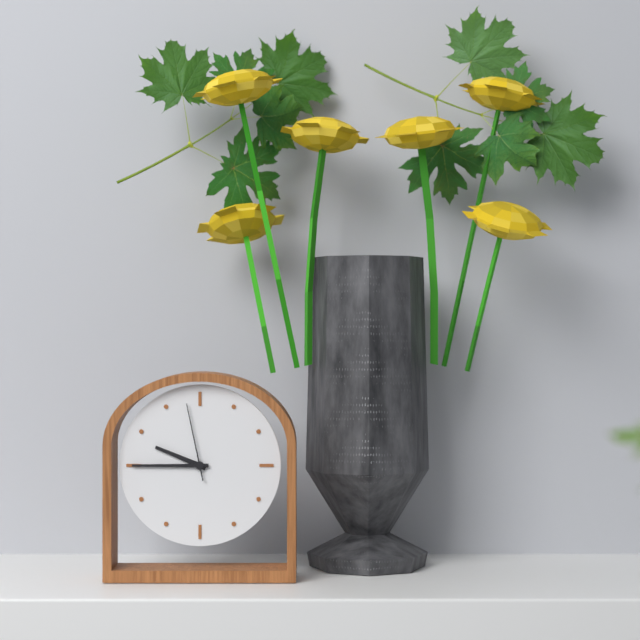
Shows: 9:45:58
